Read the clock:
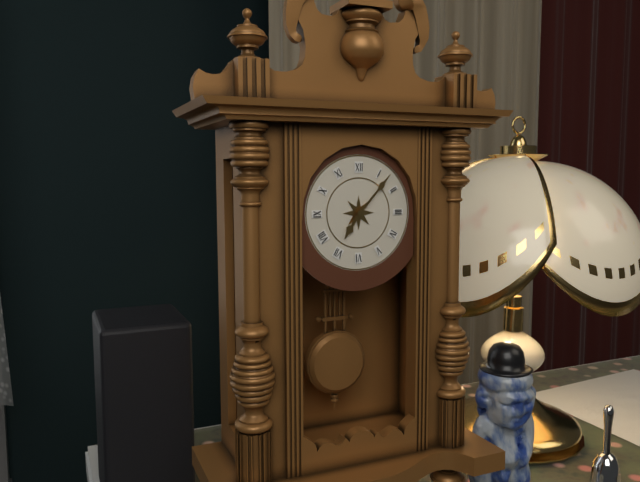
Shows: 7:07
